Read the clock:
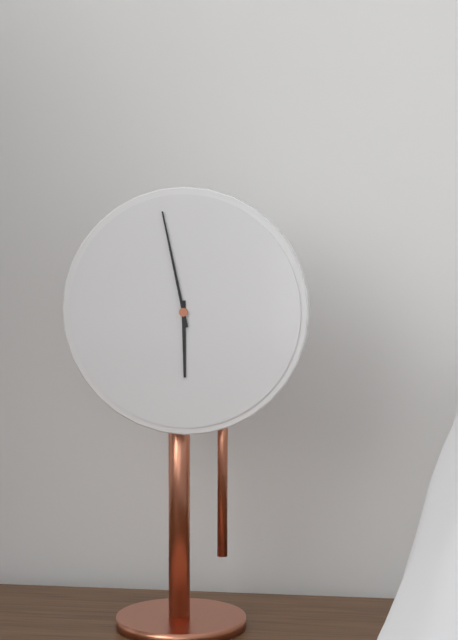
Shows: 5:58
